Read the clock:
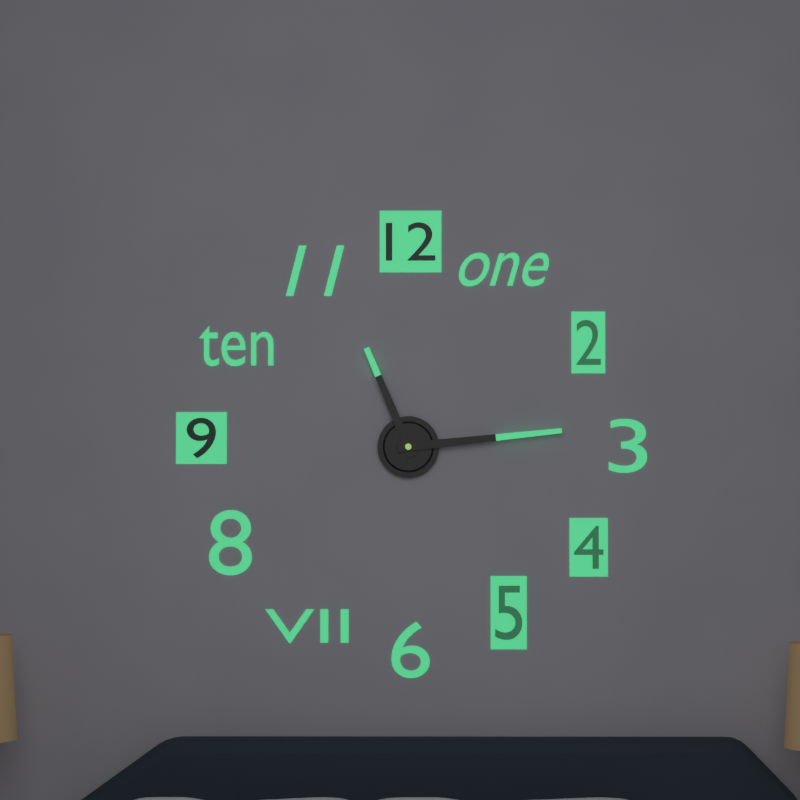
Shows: 11:14
